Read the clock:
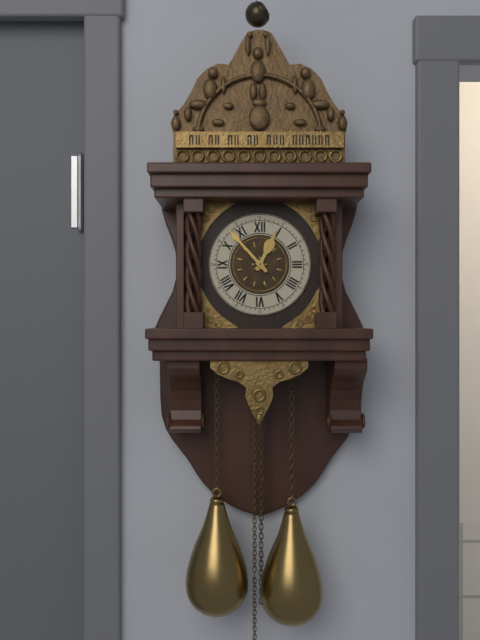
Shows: 12:53
